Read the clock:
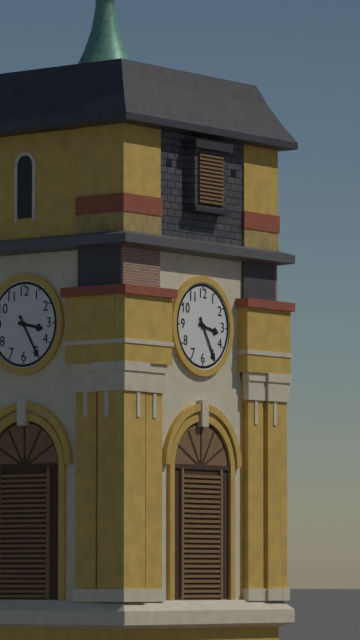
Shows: 3:25
